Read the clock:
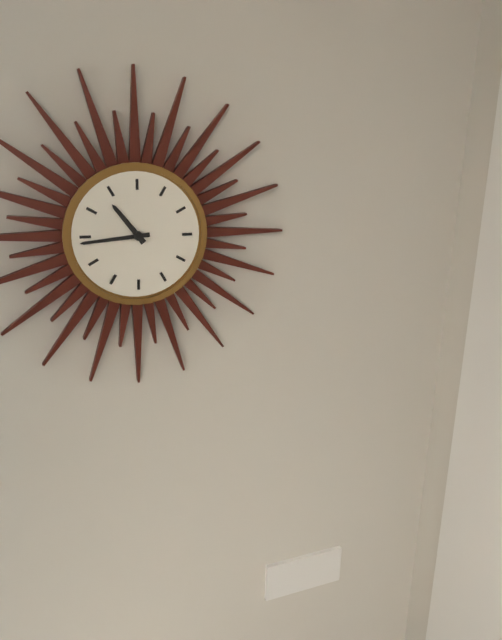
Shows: 10:44
